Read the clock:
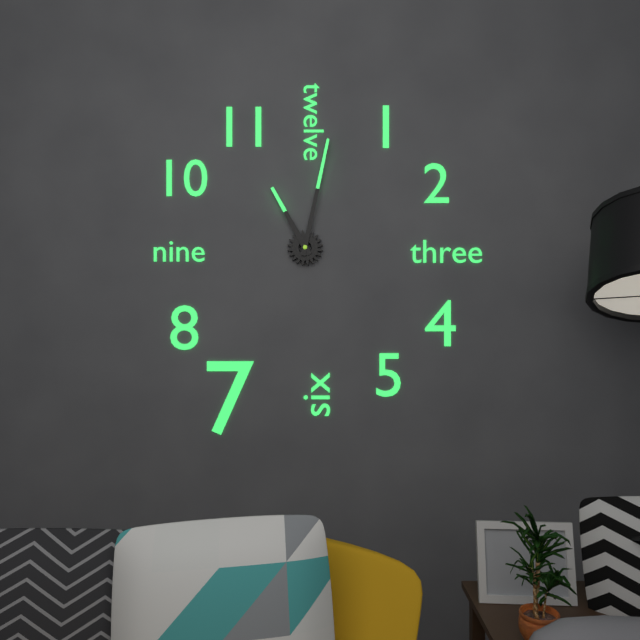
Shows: 11:02
